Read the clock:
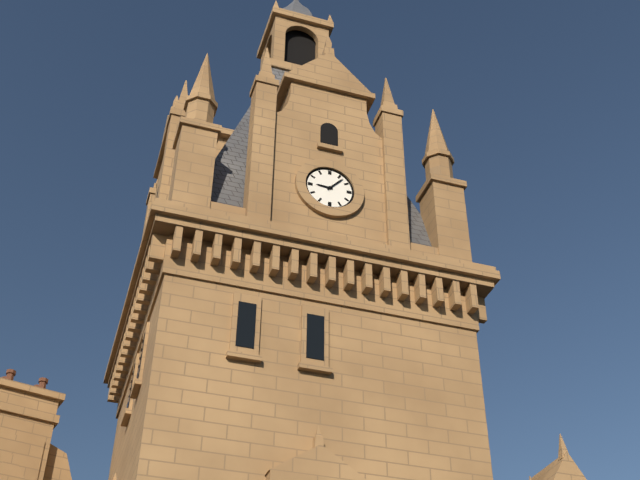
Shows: 9:07
